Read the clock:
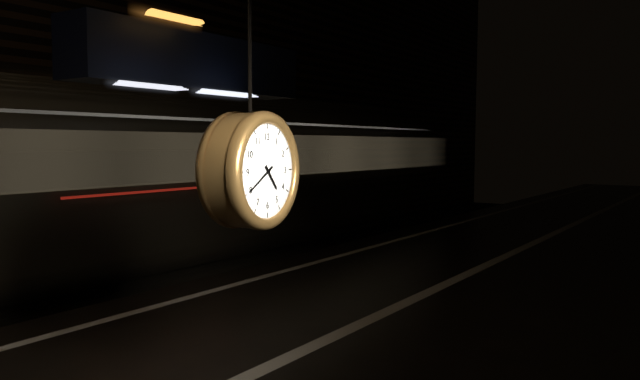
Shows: 4:40
